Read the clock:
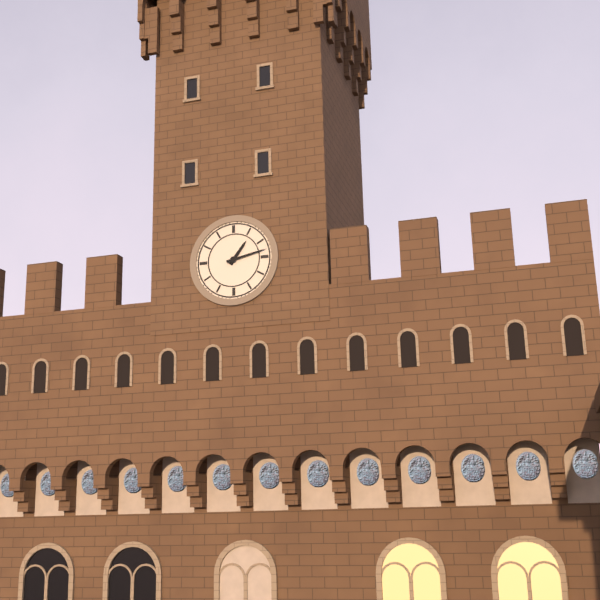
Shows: 1:13
